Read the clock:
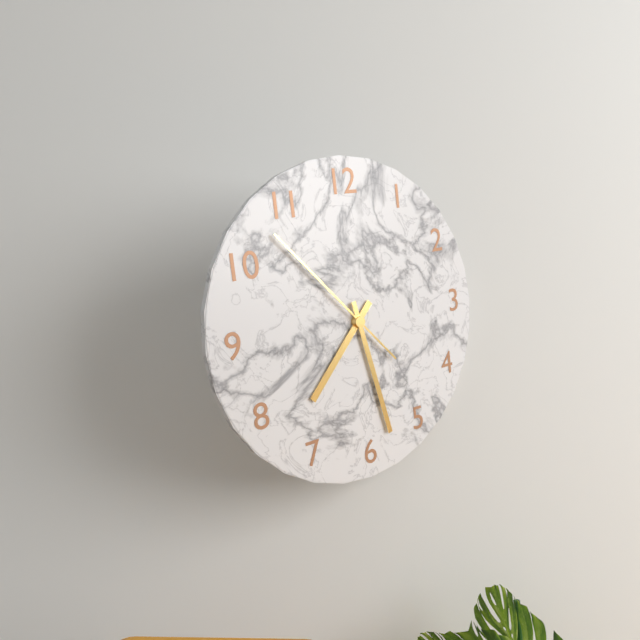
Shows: 7:28:53
